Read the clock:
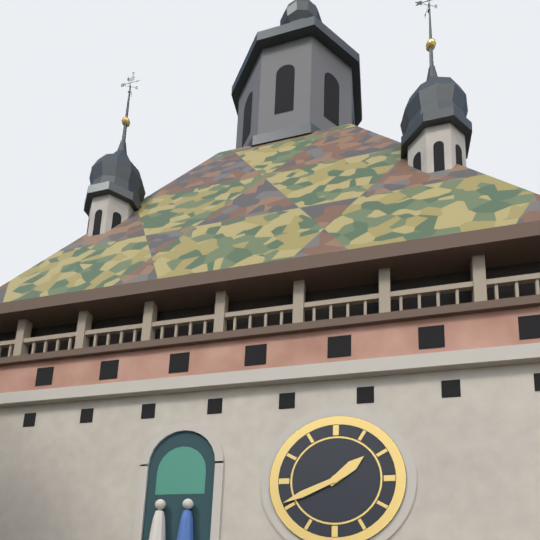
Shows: 1:41
